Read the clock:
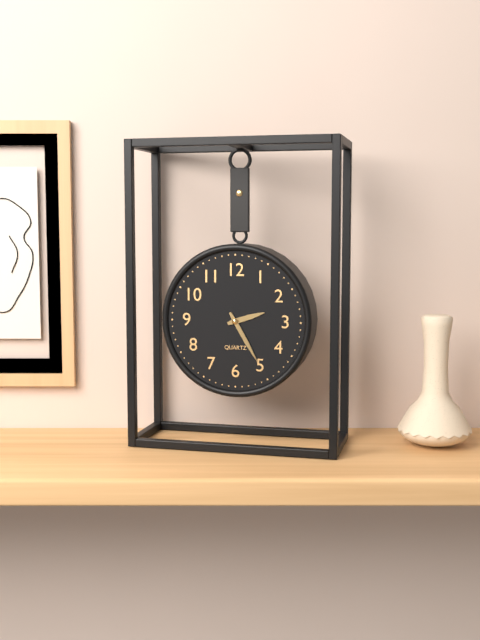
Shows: 2:25
